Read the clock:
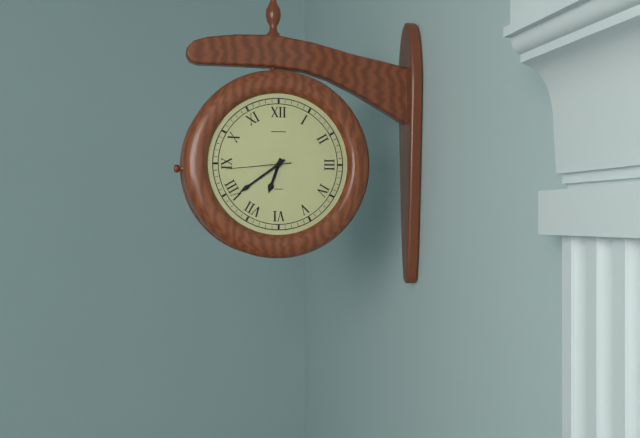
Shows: 6:39:44
